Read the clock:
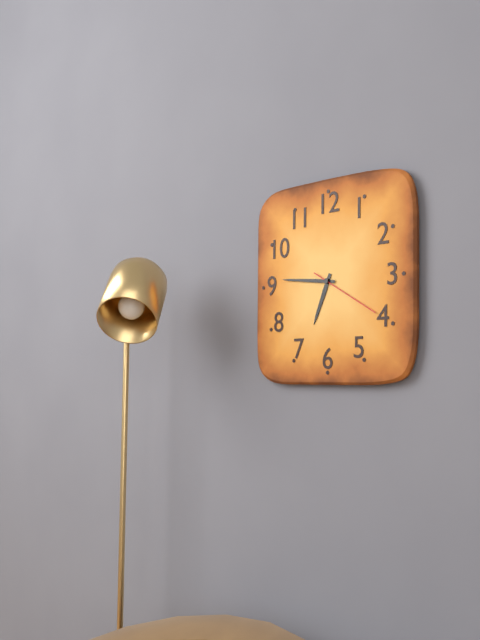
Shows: 6:46:20
